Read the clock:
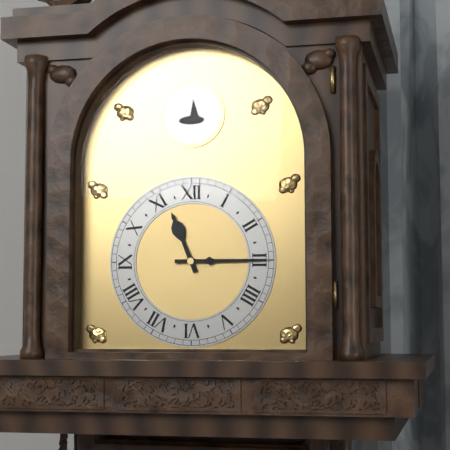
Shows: 11:15
